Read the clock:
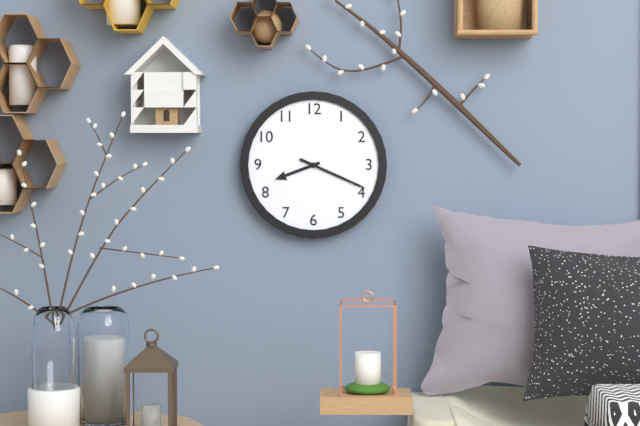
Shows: 8:19
